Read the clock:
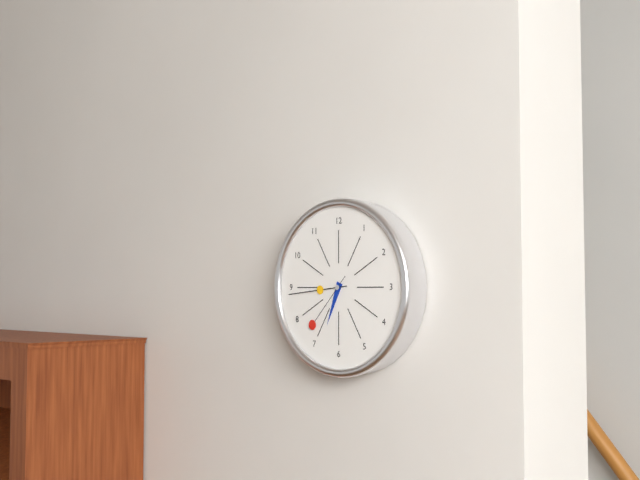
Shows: 6:44:37
